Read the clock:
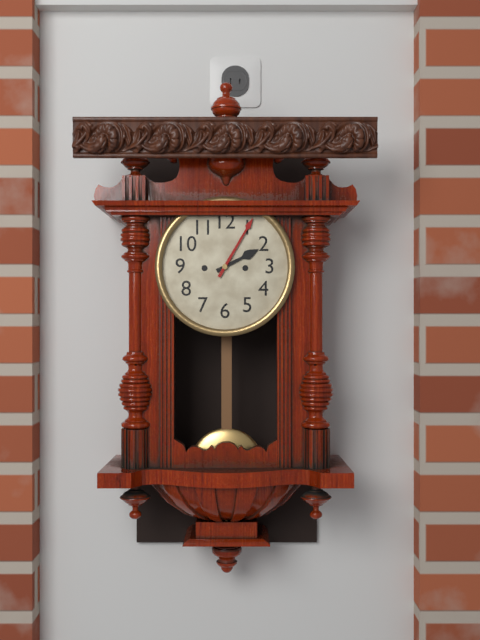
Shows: 2:05
